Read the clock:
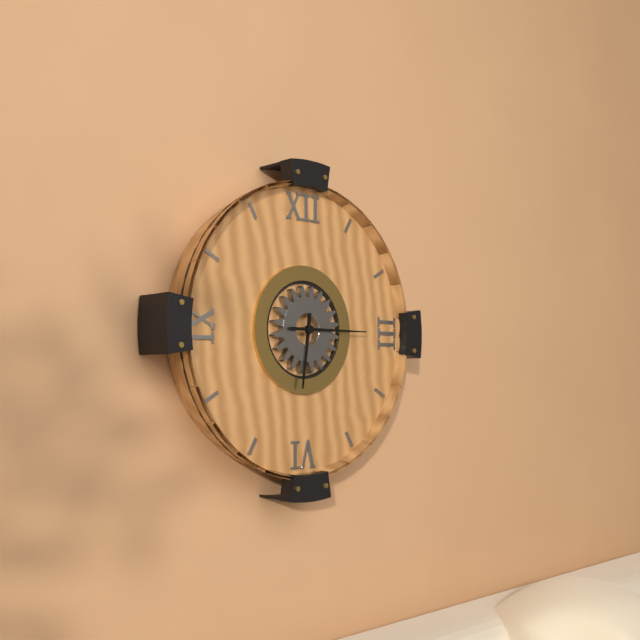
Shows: 6:15
